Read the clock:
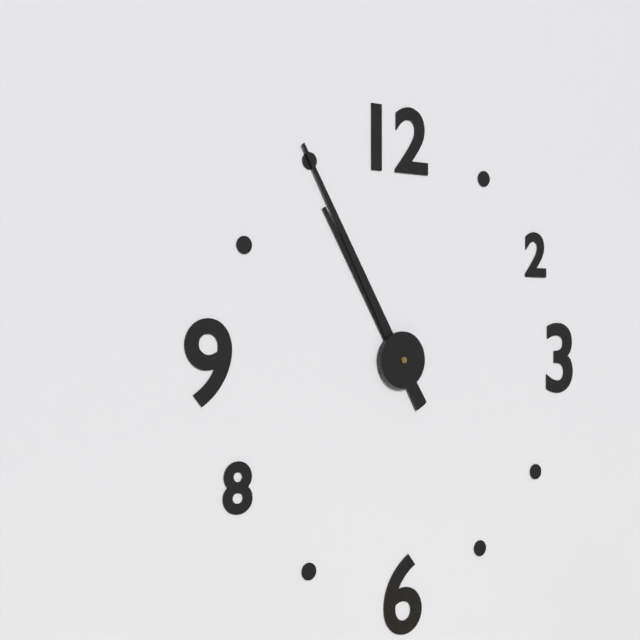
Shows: 10:55
